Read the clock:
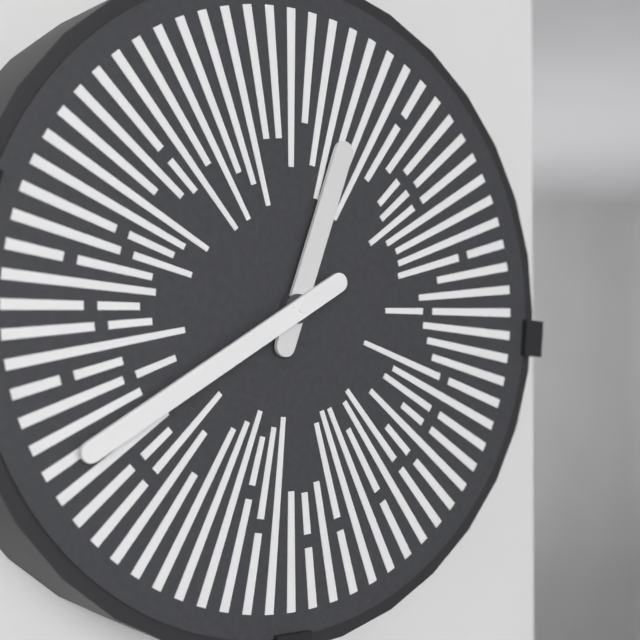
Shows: 12:40
